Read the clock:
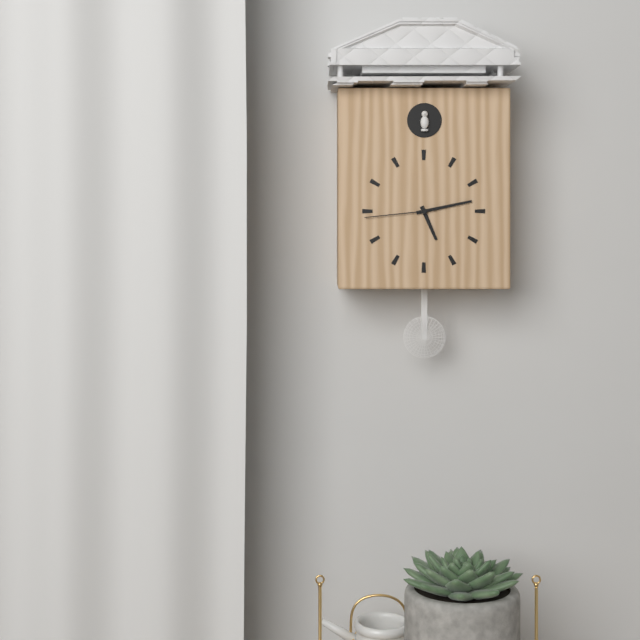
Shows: 5:13:44
